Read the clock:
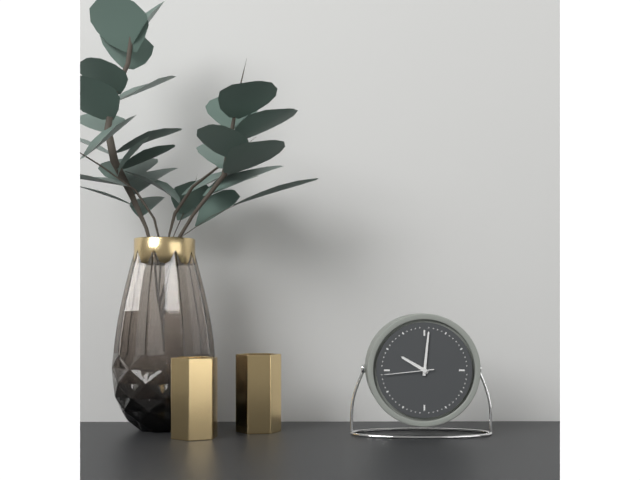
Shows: 10:01:44
